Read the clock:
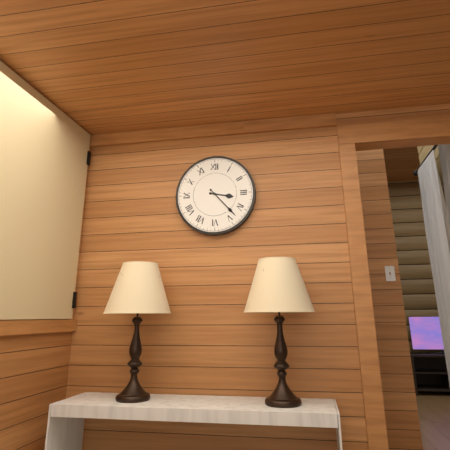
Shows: 3:23
